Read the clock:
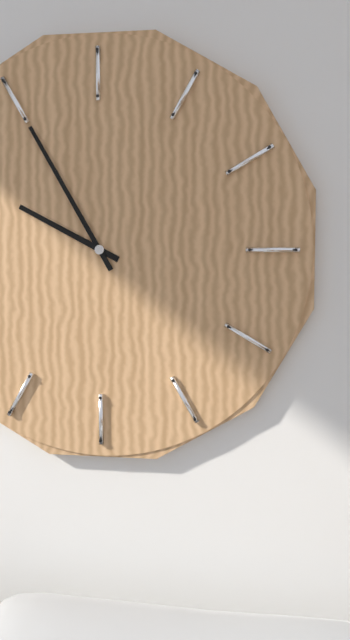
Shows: 9:55
